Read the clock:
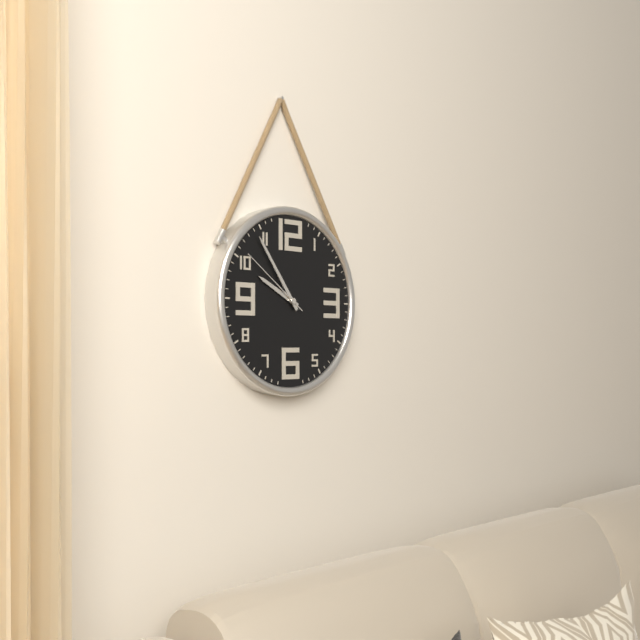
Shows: 9:54:51
